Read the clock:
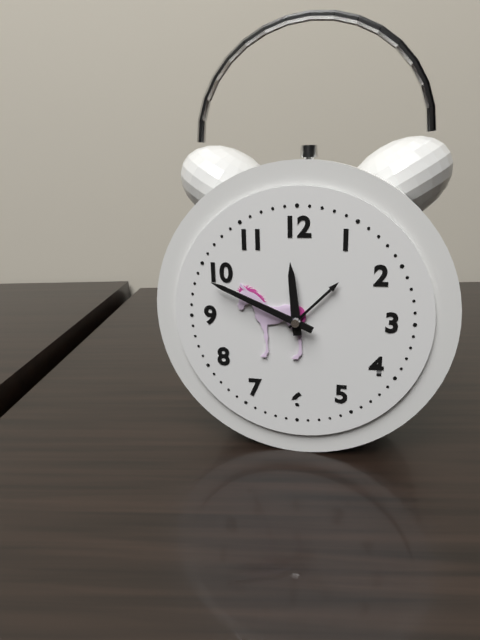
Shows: 11:49
